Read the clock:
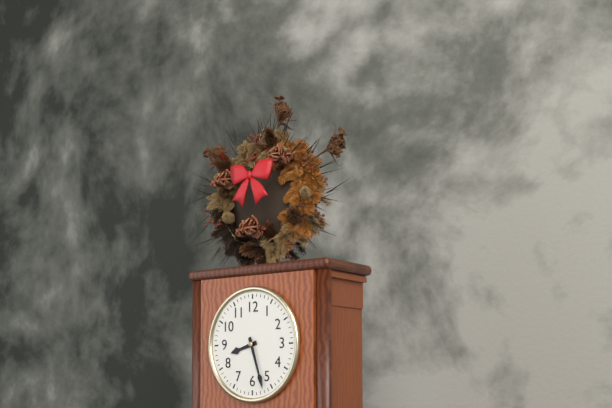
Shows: 8:27
